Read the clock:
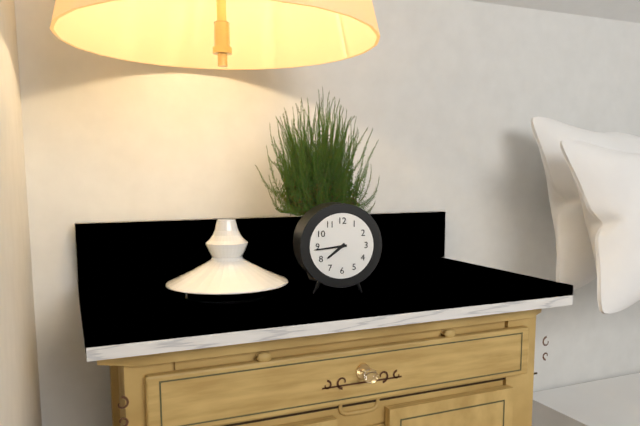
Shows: 7:44
